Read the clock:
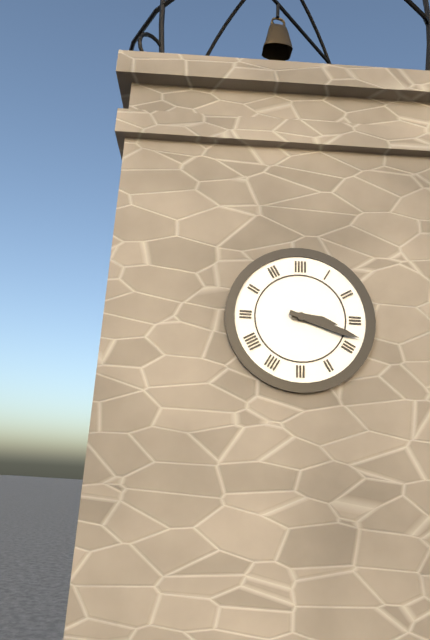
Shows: 3:18
